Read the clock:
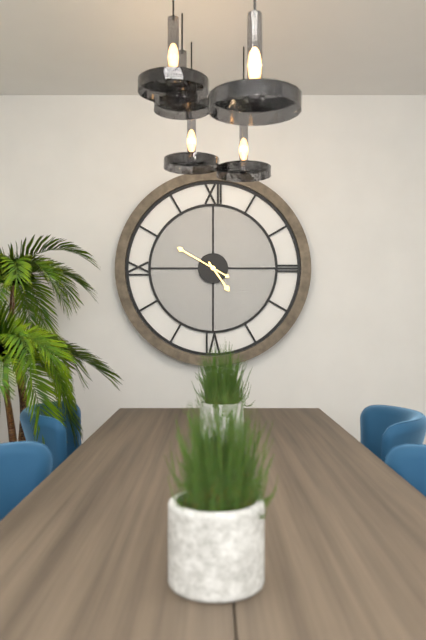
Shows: 4:50
